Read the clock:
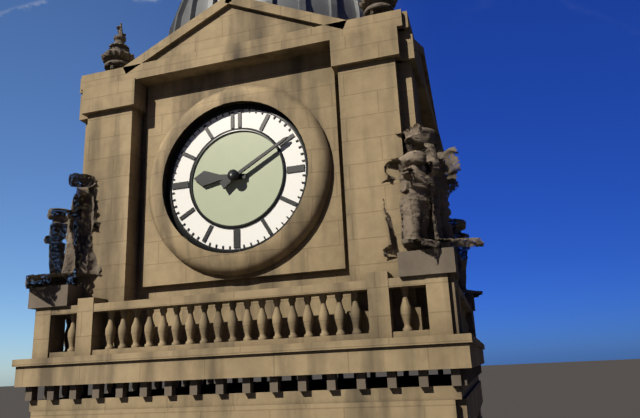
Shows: 9:10
